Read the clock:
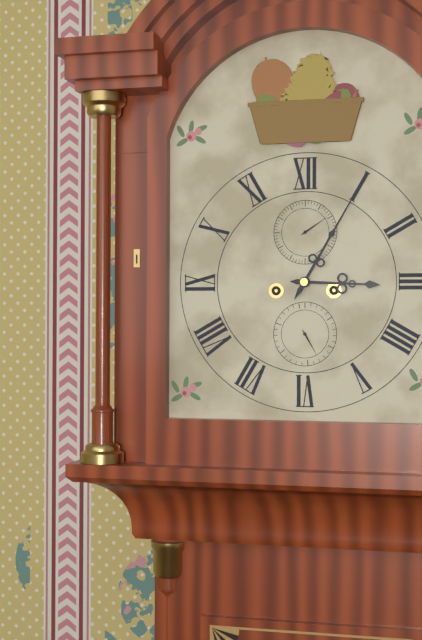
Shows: 3:05
